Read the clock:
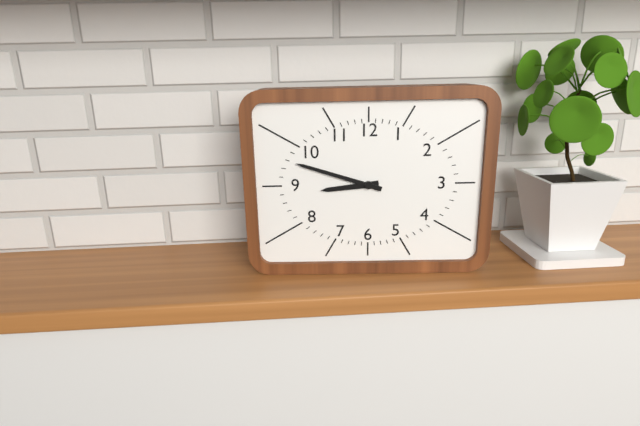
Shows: 8:48
